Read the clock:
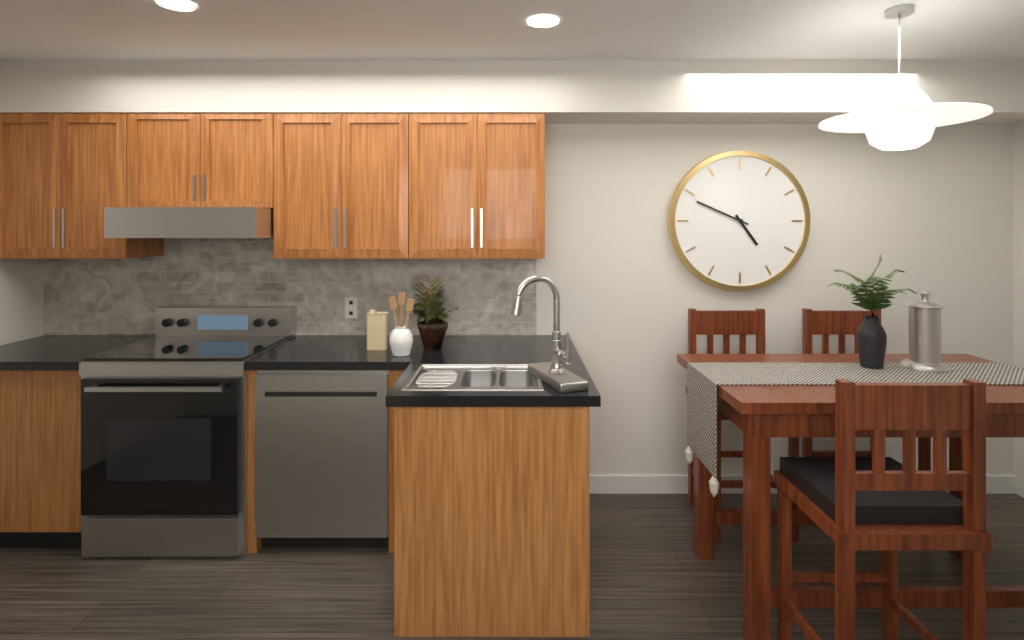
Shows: 4:49
